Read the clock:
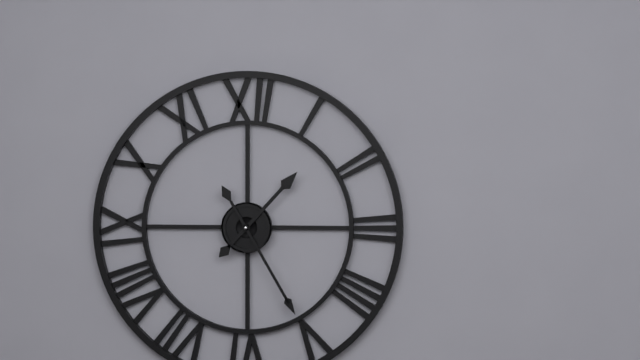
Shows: 1:25
